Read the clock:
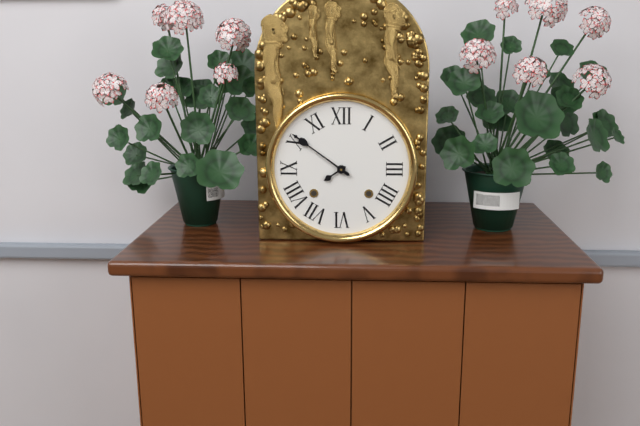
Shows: 7:51
